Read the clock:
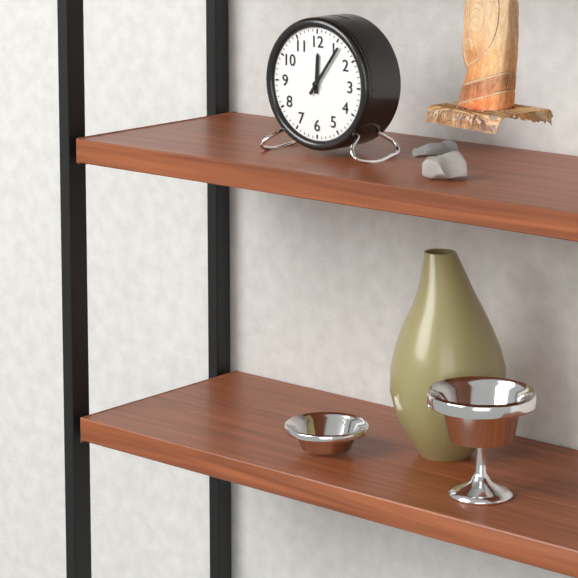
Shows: 12:06
